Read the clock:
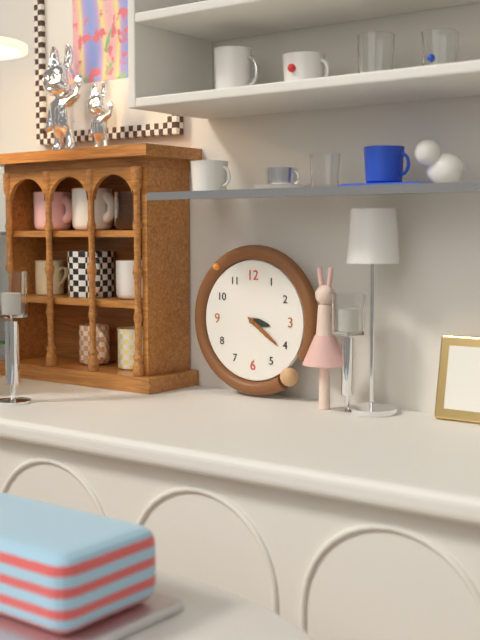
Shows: 3:21
